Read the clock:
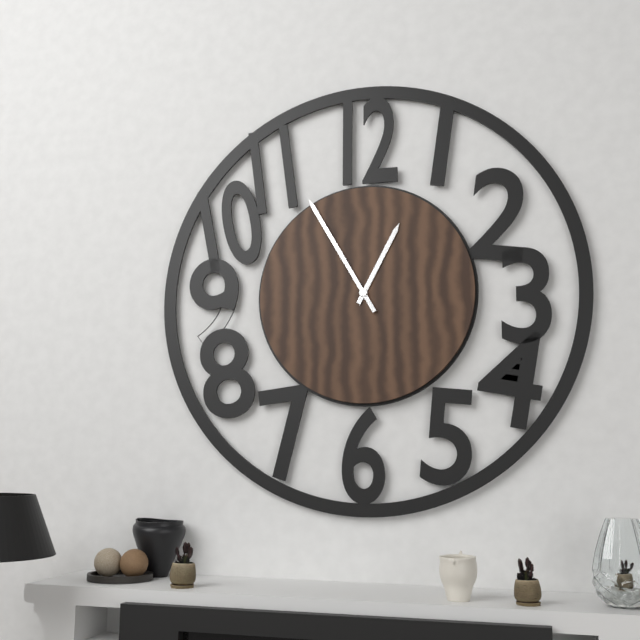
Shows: 12:55
